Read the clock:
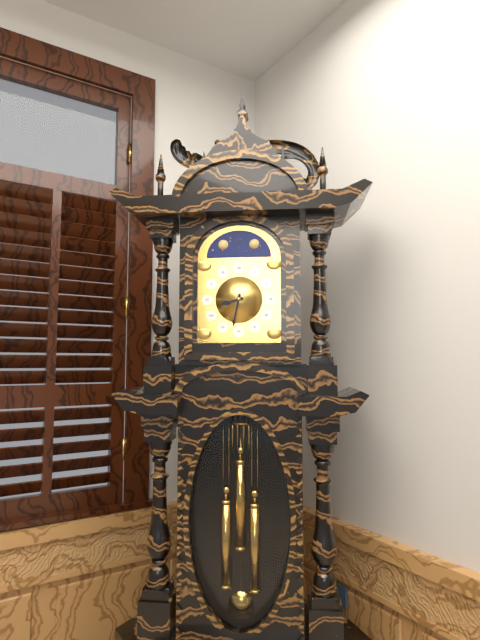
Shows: 8:32
